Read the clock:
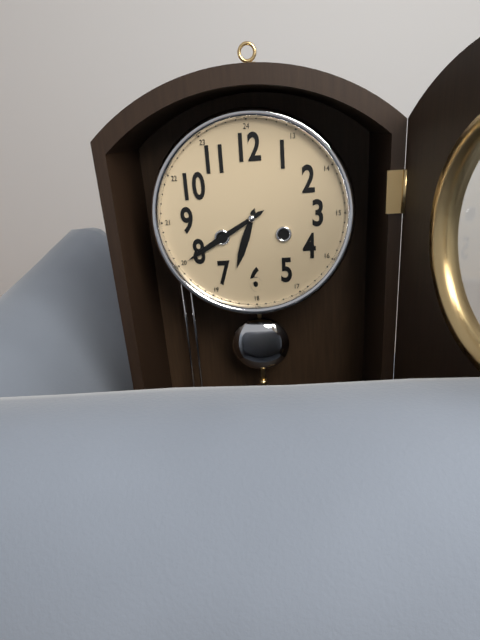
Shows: 6:40
